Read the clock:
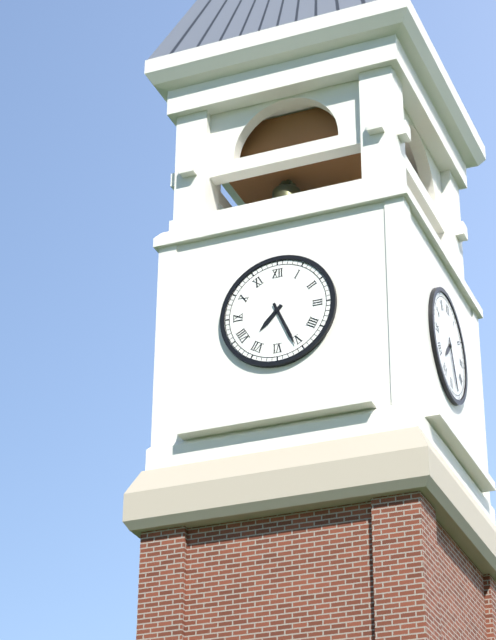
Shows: 7:26
